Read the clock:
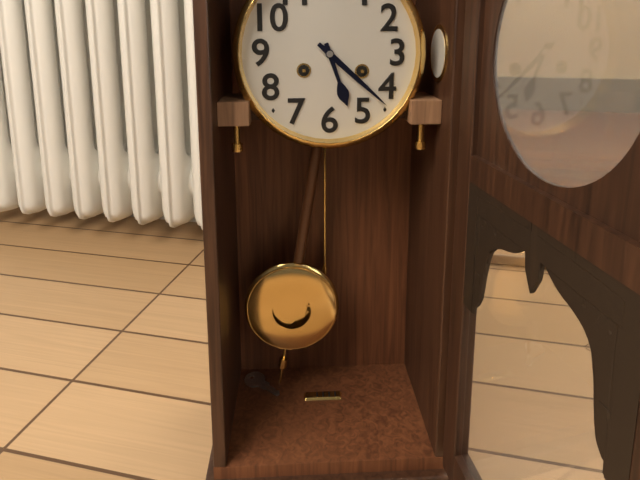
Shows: 5:22
